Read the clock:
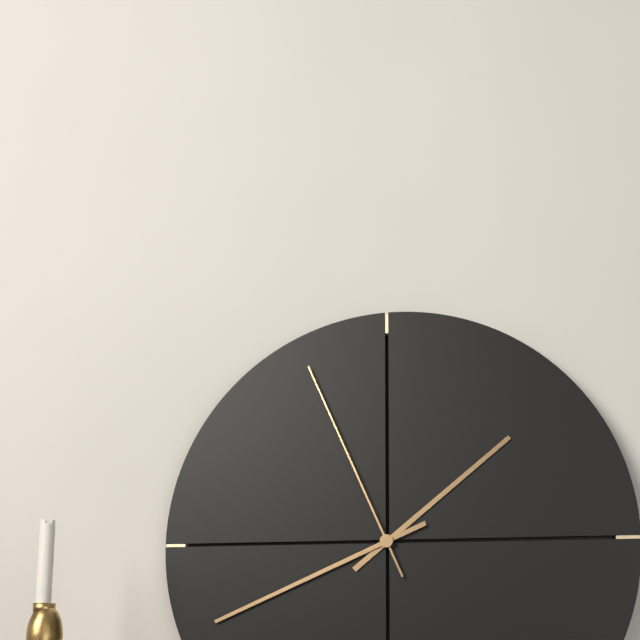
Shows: 1:41:56
